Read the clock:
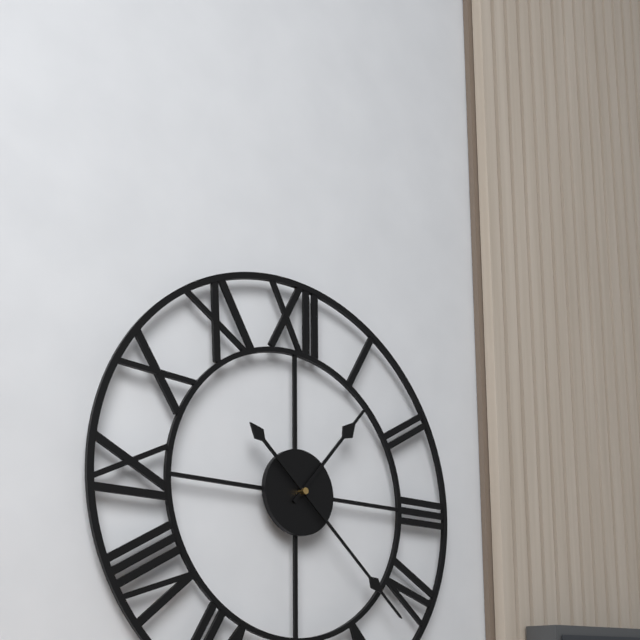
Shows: 1:22
